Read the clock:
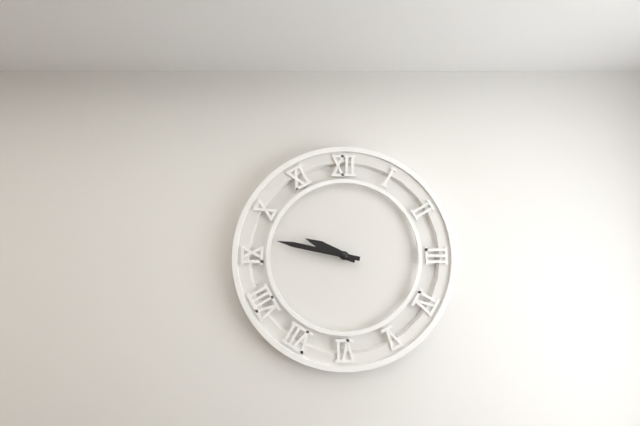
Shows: 9:47
